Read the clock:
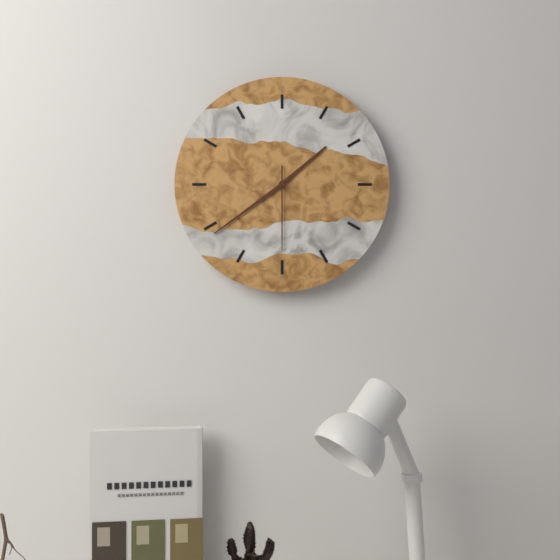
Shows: 1:39:30
